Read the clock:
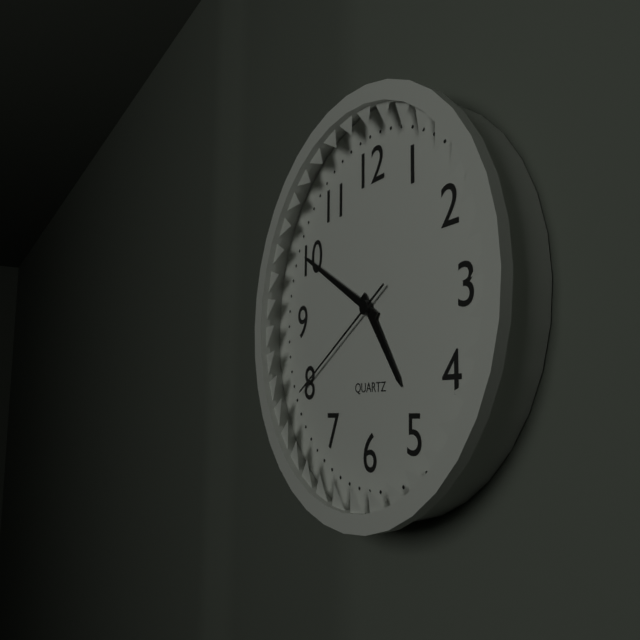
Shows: 4:50:40
